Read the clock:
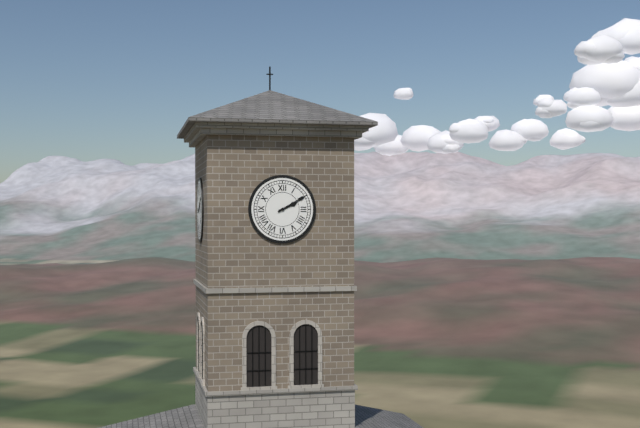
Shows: 2:10
